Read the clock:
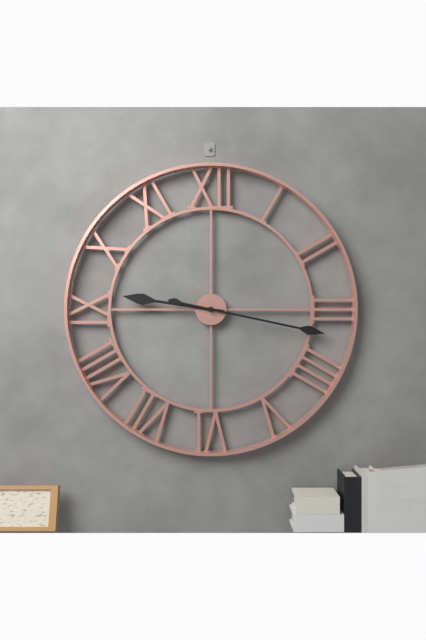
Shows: 9:17
